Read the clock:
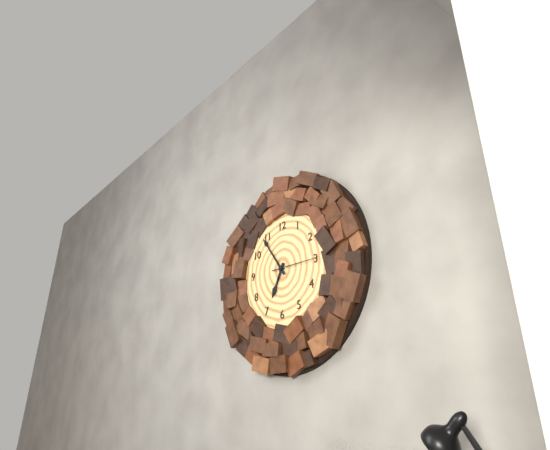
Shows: 6:54
